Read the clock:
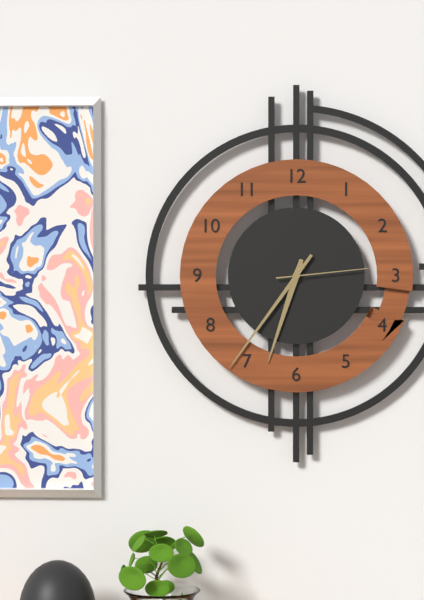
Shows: 6:36:14
